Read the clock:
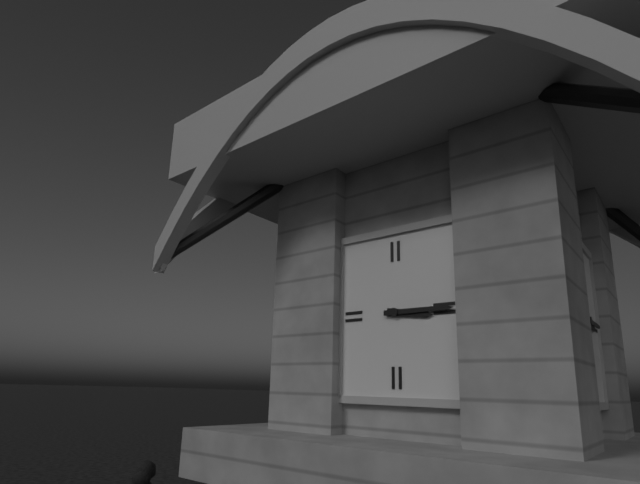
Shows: 3:15
